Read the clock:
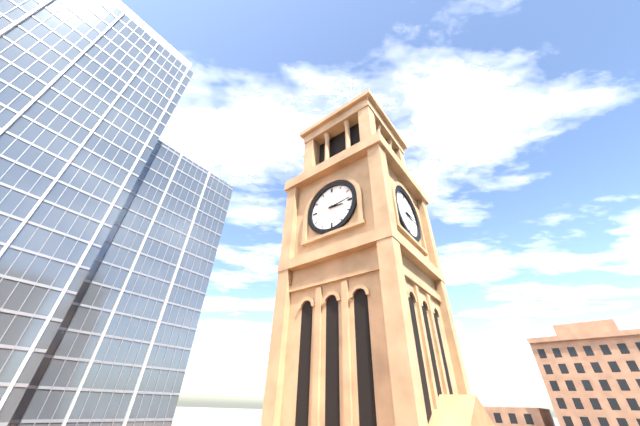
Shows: 3:14
